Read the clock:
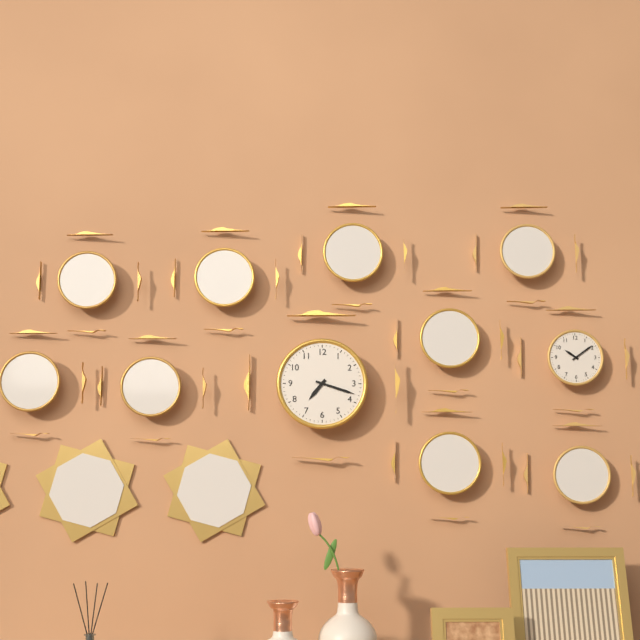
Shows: 7:18
